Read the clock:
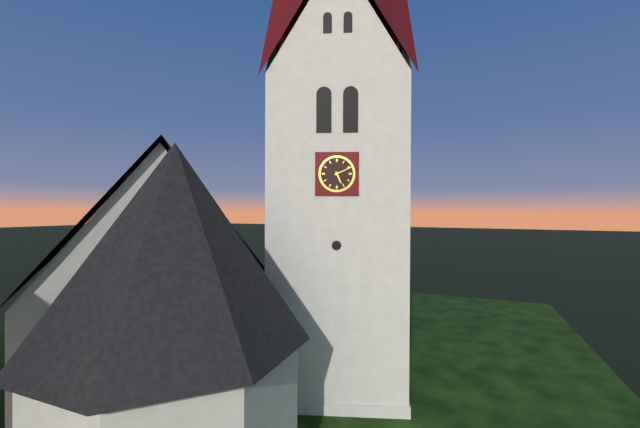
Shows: 5:11
